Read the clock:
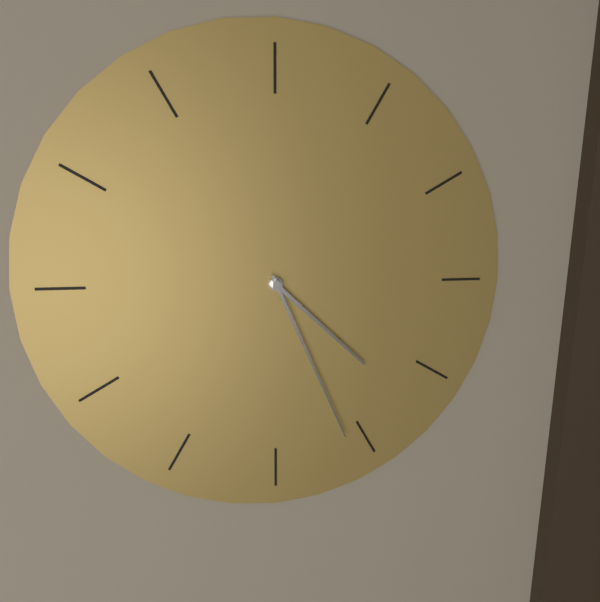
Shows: 4:26
